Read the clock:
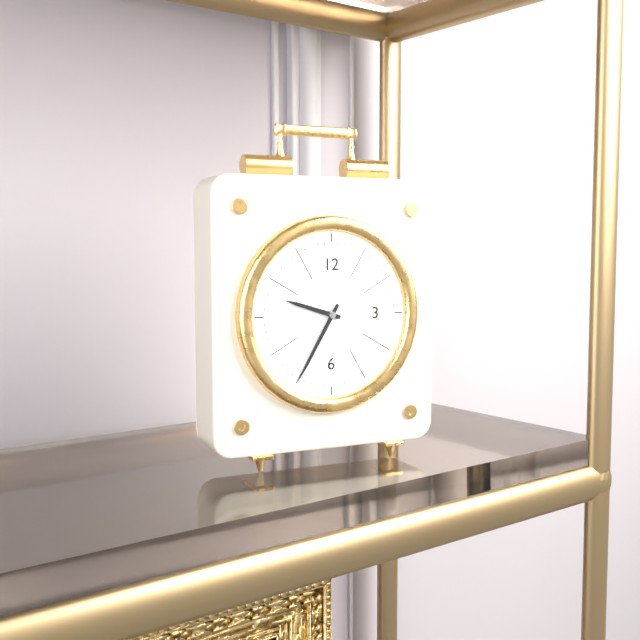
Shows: 9:35
